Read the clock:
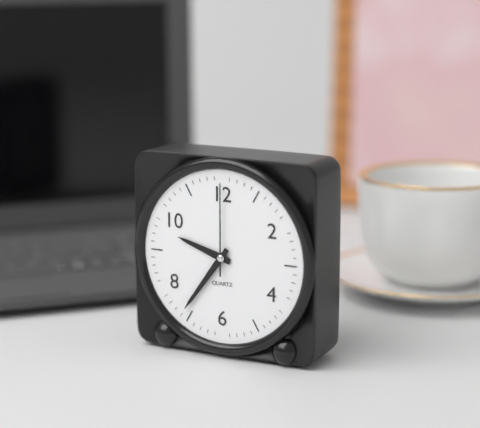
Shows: 9:36:00
